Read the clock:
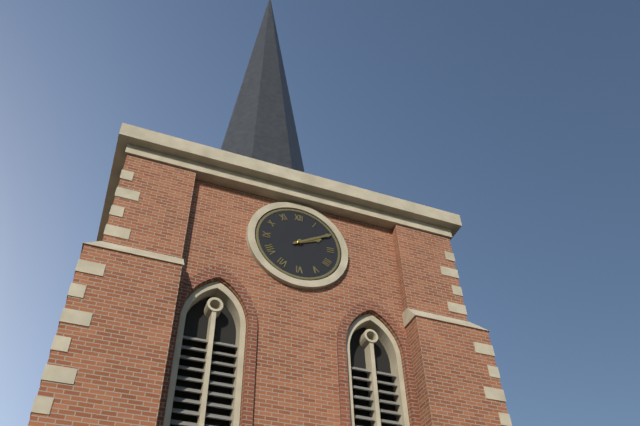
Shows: 2:10
